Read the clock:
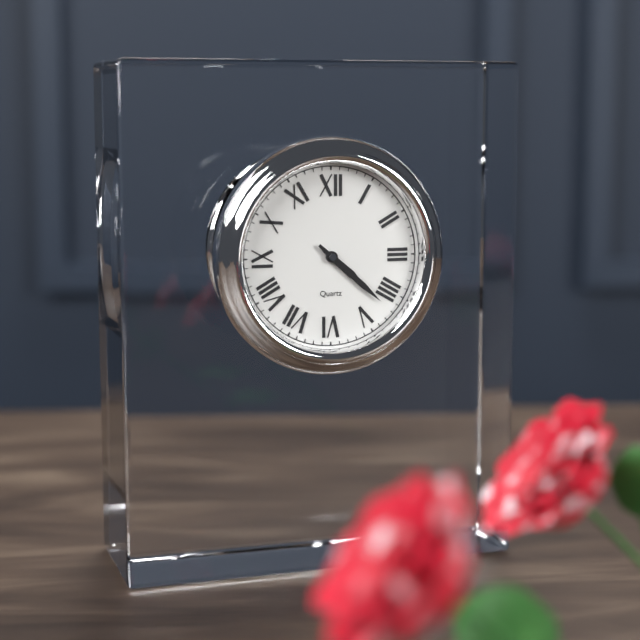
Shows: 4:22
